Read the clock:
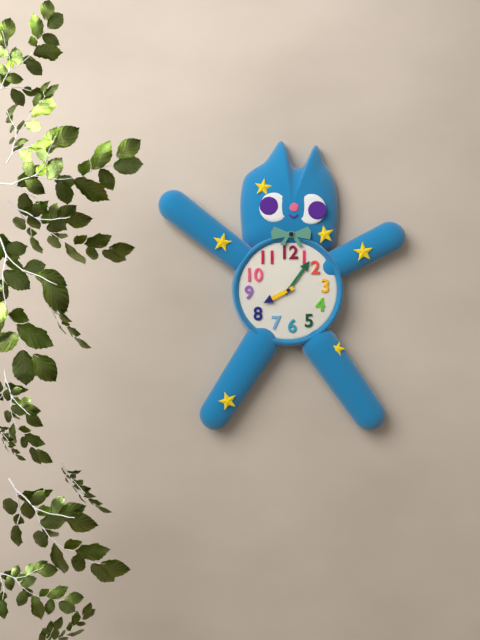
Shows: 8:06
